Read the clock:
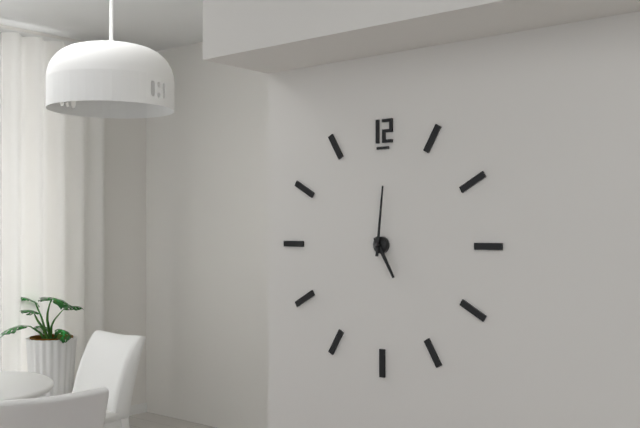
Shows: 5:01
